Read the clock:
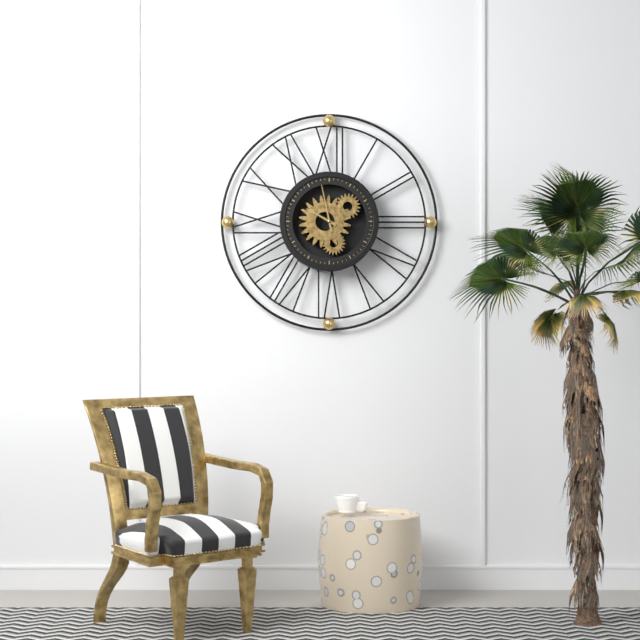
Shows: 9:58
